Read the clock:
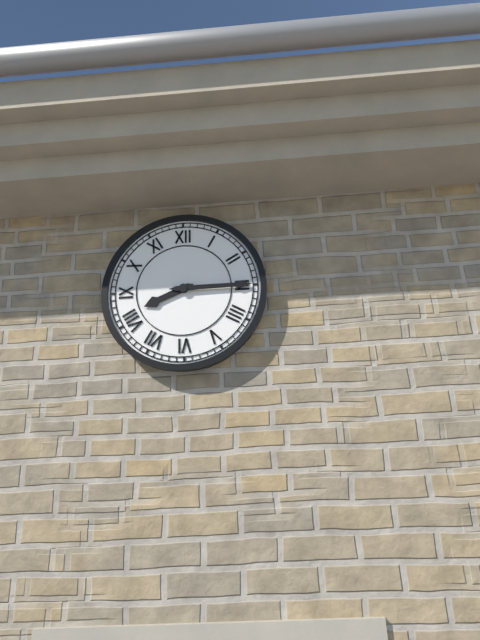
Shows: 8:15
